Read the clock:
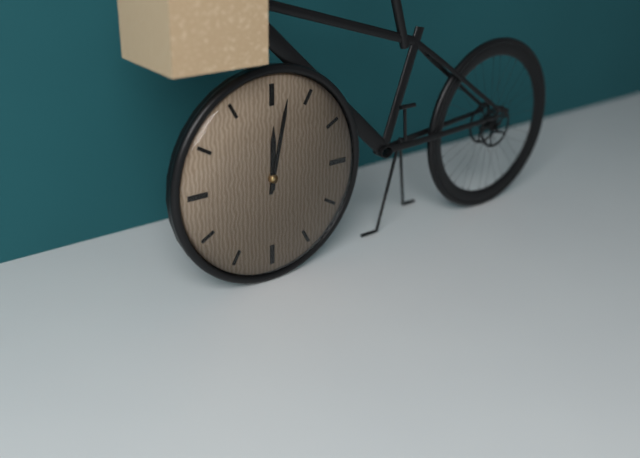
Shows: 12:02
